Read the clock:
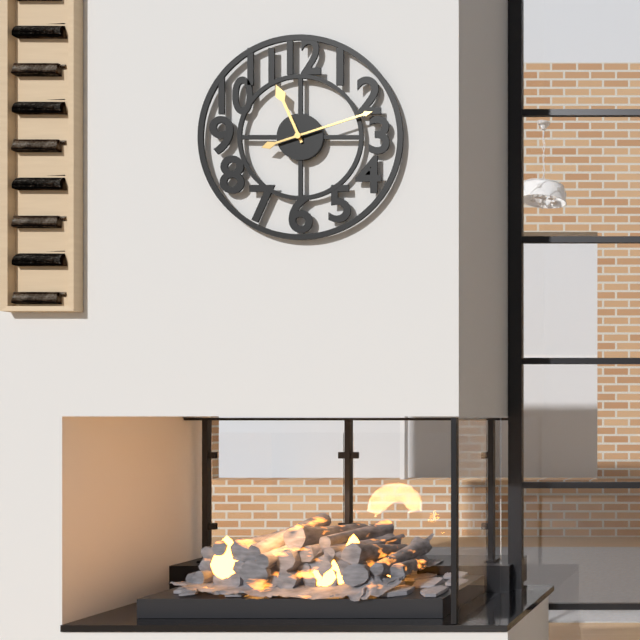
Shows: 11:12
